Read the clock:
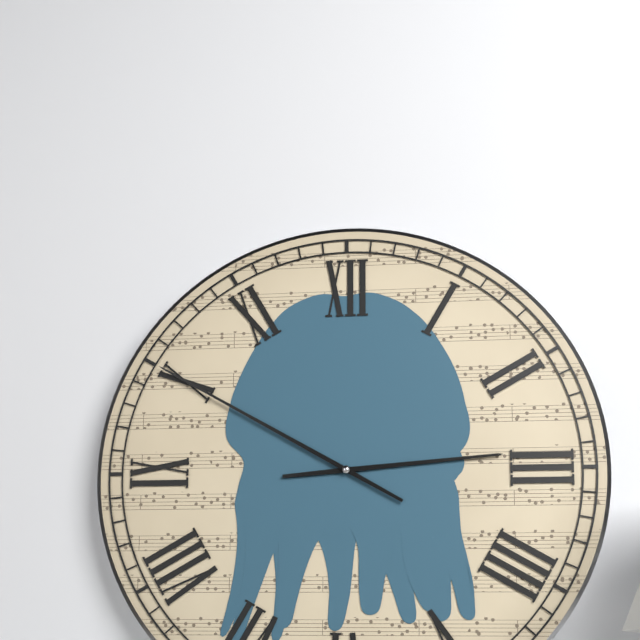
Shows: 2:50
